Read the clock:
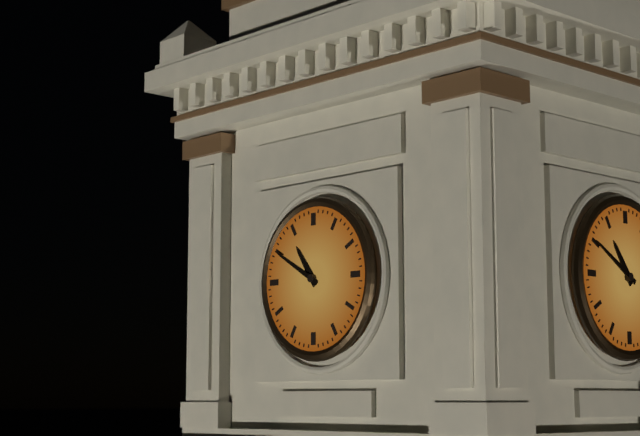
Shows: 10:50
